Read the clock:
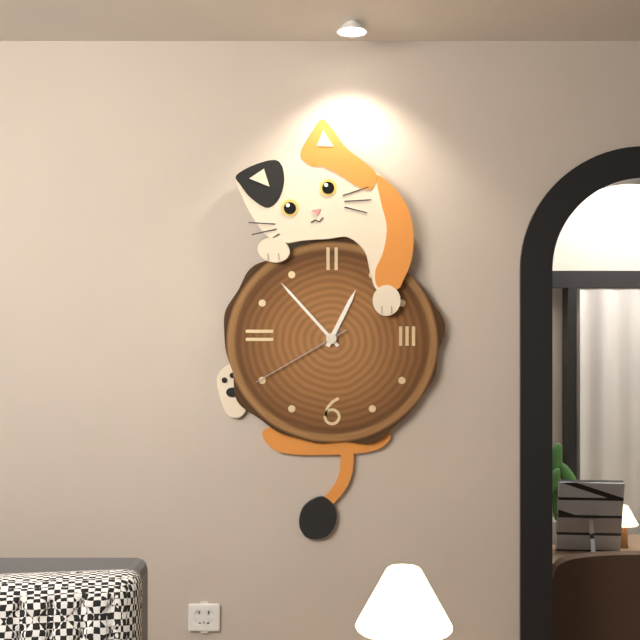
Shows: 12:53:40
